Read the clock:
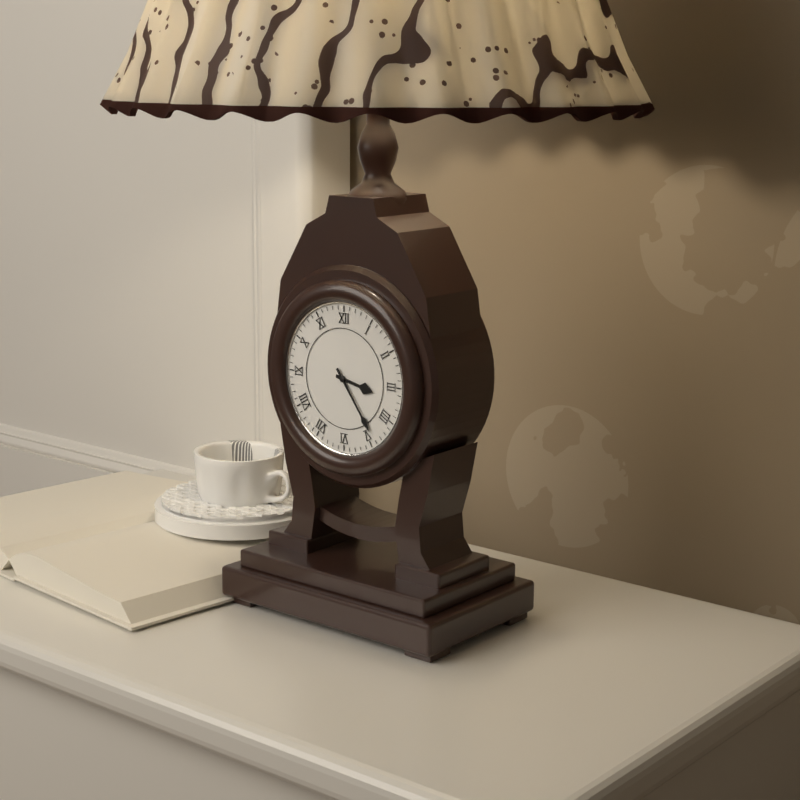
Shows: 3:24
